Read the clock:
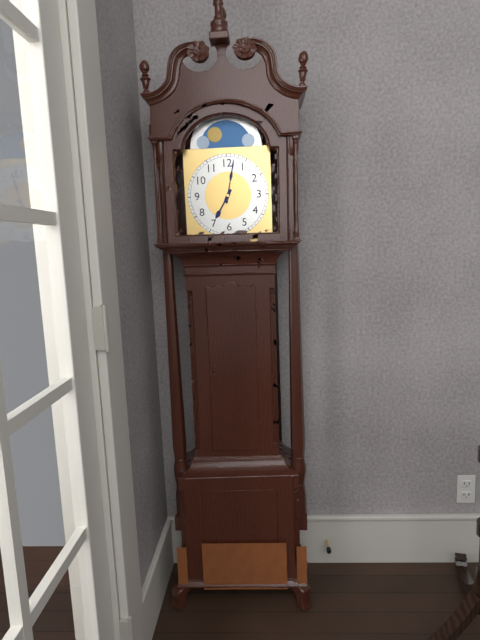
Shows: 7:02
